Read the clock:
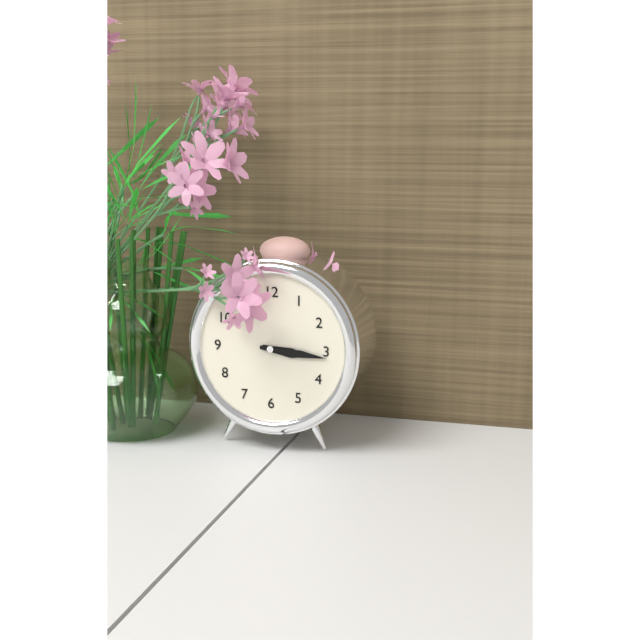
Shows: 3:16
